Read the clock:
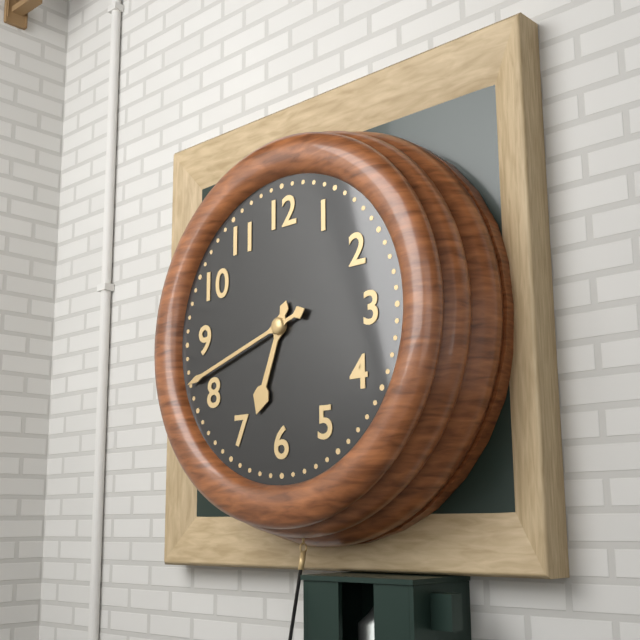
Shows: 6:42
